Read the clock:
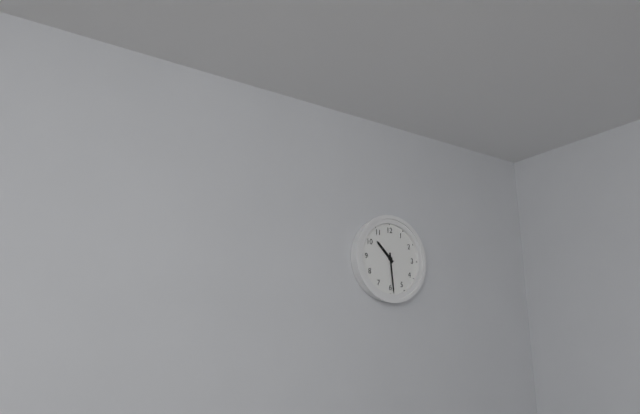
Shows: 10:29
